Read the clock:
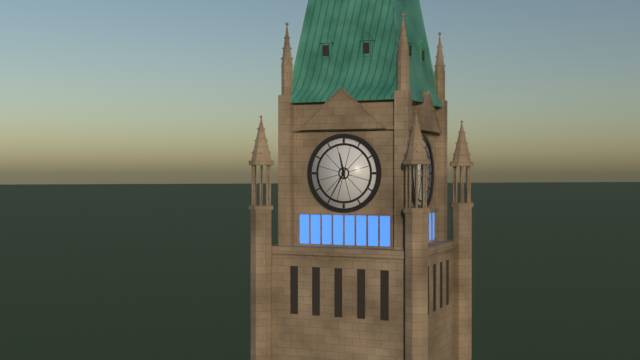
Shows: 11:35
